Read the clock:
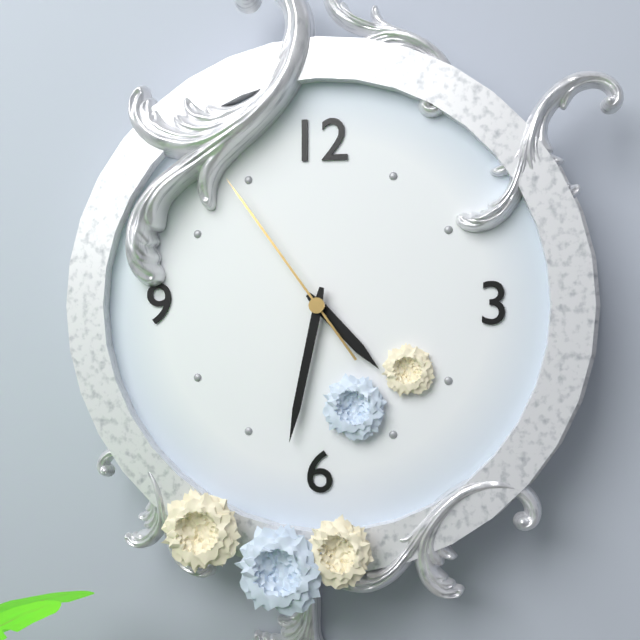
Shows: 4:32:54
